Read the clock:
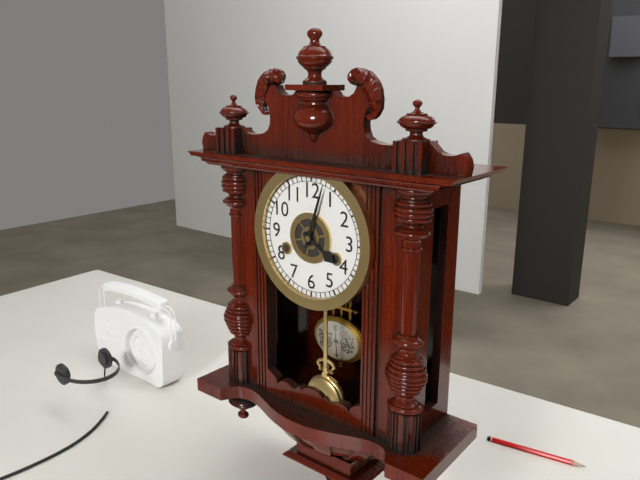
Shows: 4:03
